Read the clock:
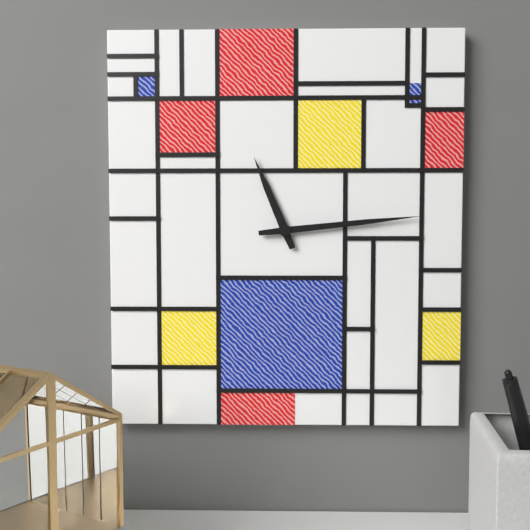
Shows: 11:14
